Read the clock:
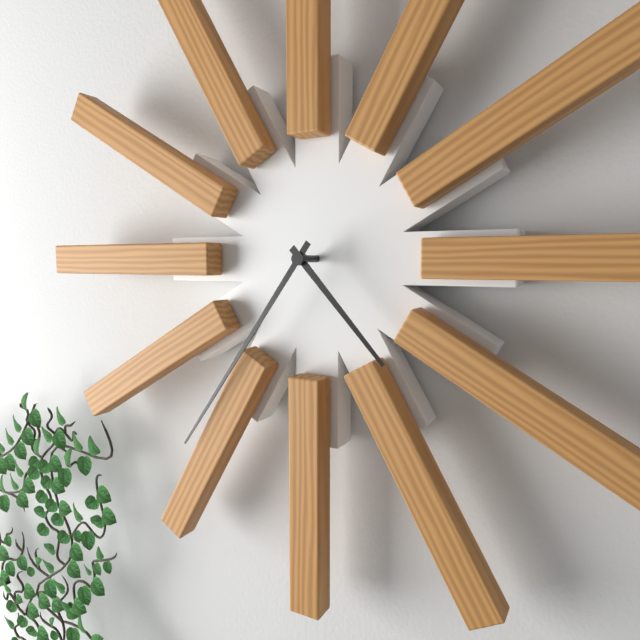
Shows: 4:36
